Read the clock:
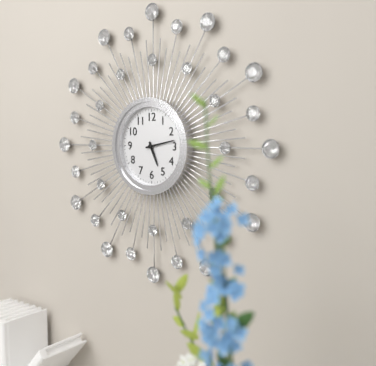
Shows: 5:13
